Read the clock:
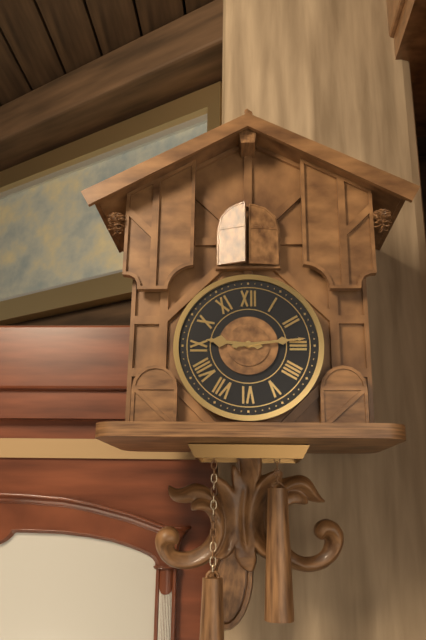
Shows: 9:14
